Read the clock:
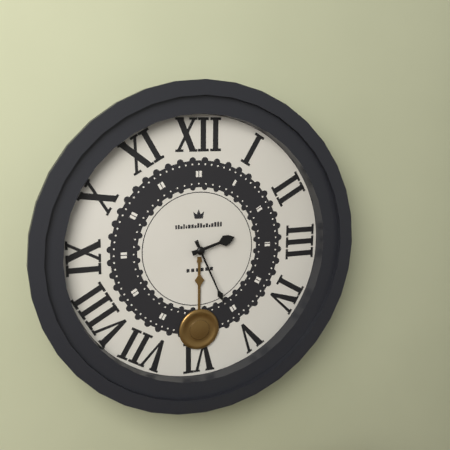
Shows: 2:26
